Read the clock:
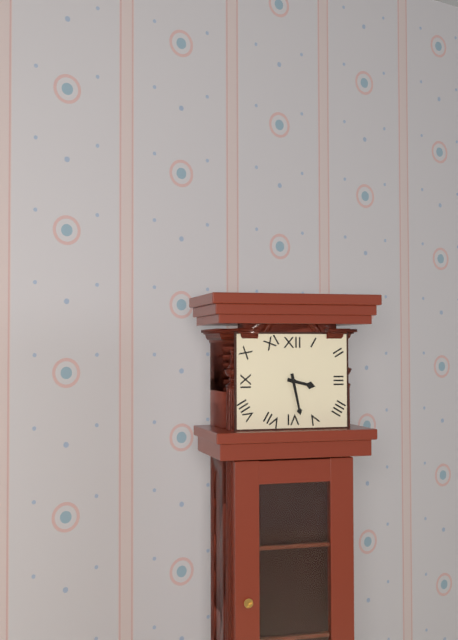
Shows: 3:28
